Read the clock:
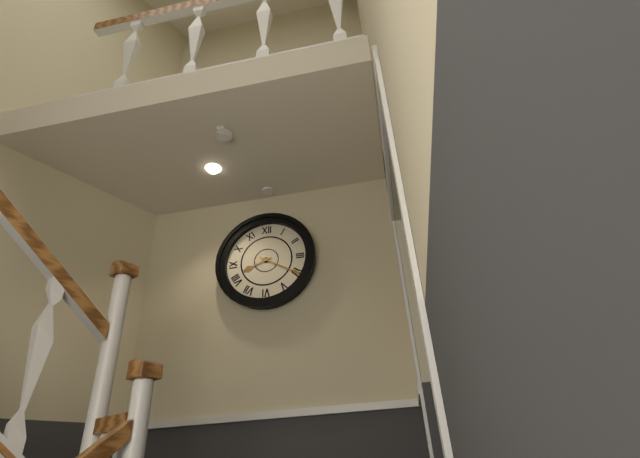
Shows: 8:20
